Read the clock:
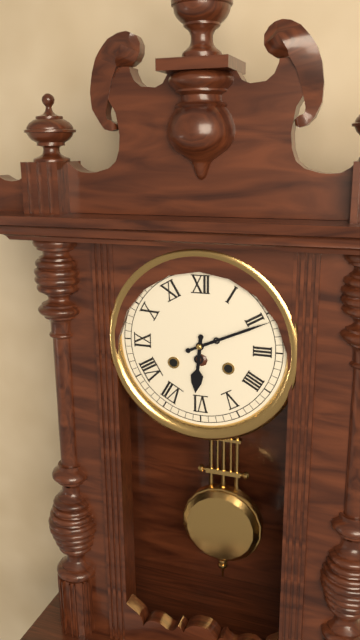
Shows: 6:11
